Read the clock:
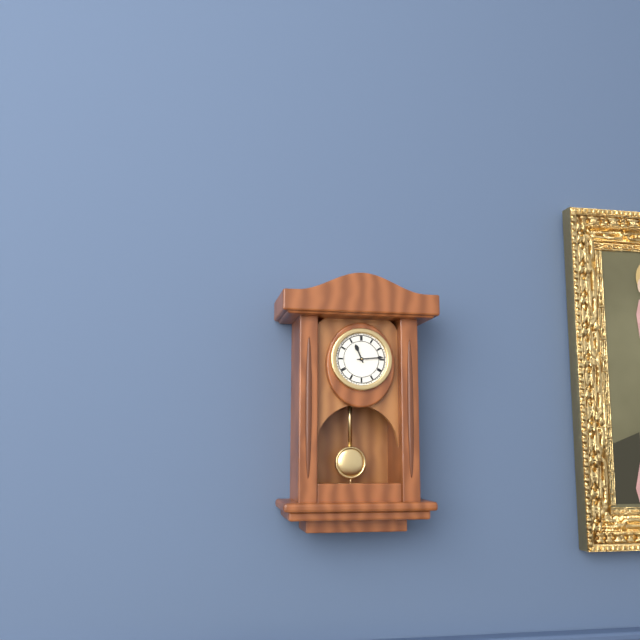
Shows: 11:14
